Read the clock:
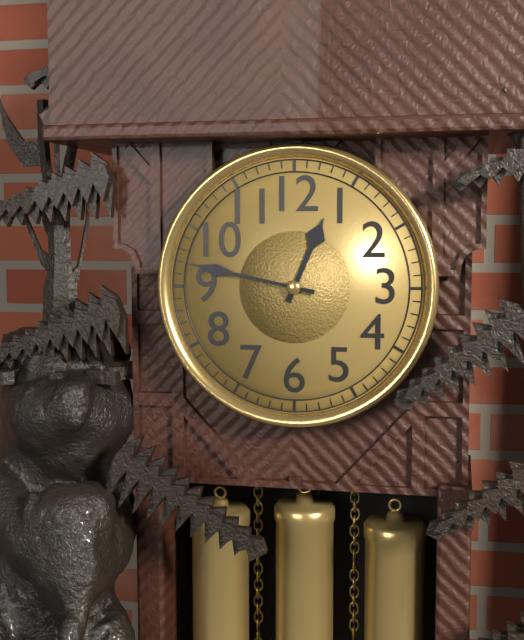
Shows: 12:47
